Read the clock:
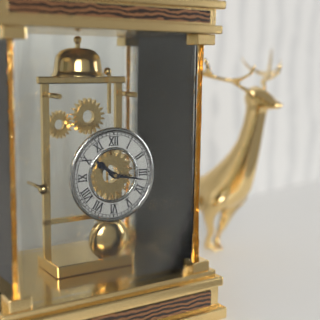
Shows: 10:17
